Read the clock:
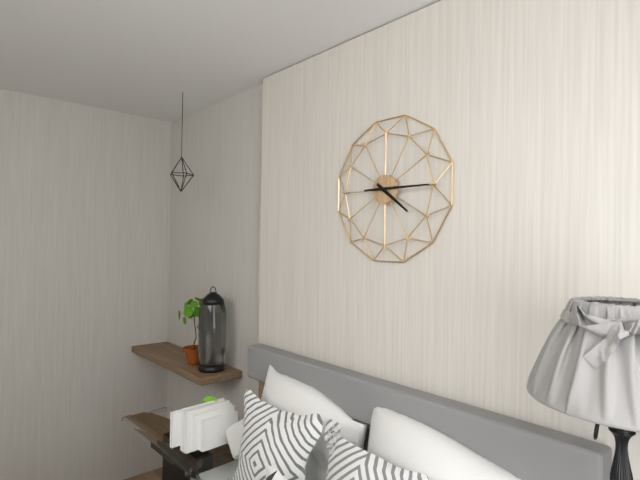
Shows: 4:15
